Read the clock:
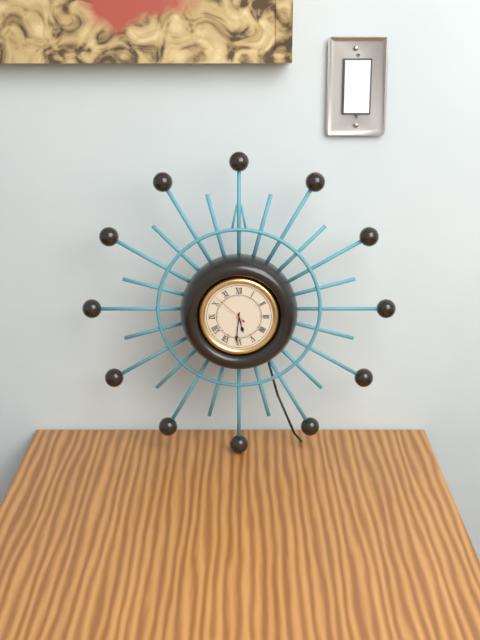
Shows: 5:31
